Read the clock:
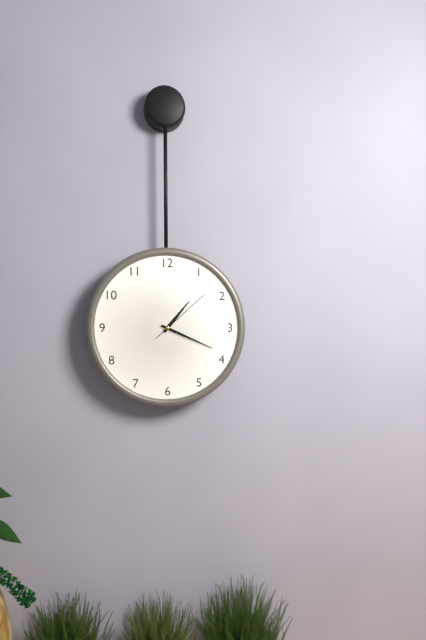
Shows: 1:19:08
